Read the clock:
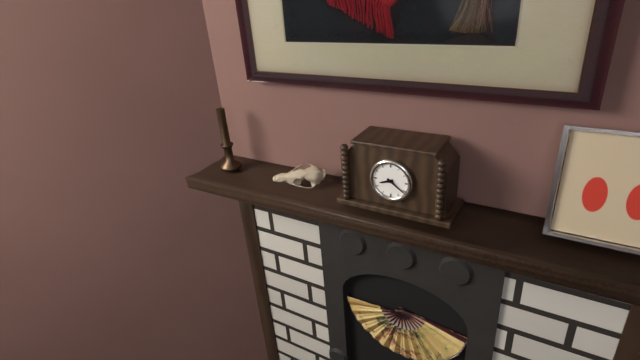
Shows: 8:21
